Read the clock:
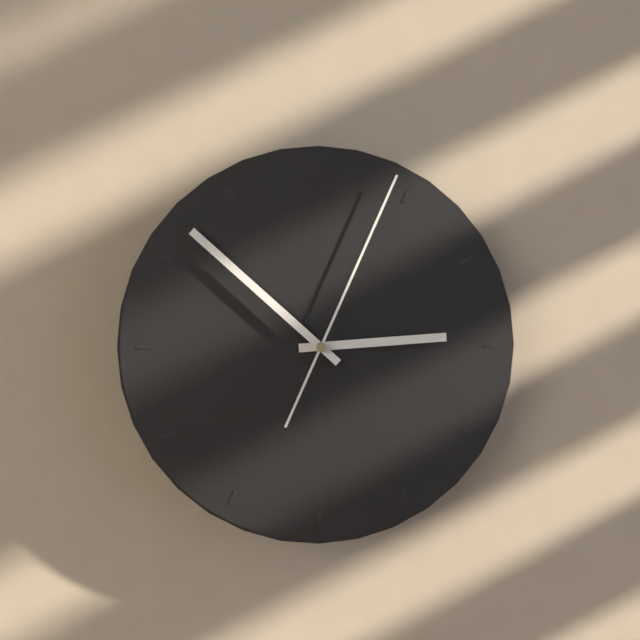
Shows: 2:52:04
